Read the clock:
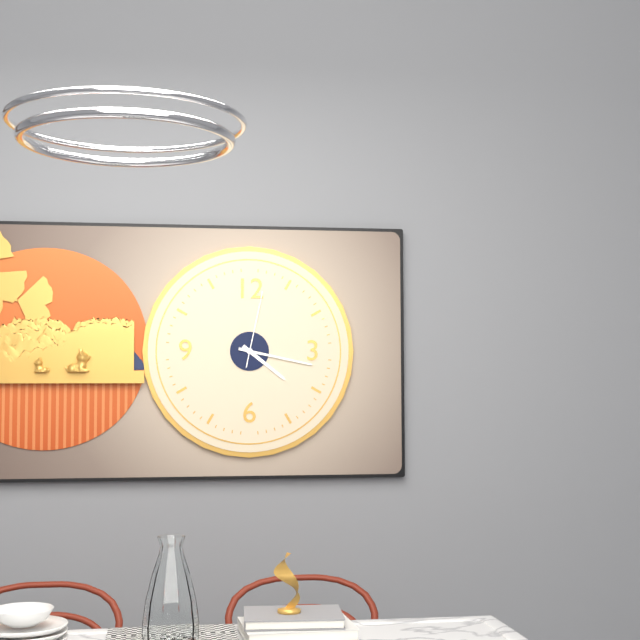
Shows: 4:17:02
